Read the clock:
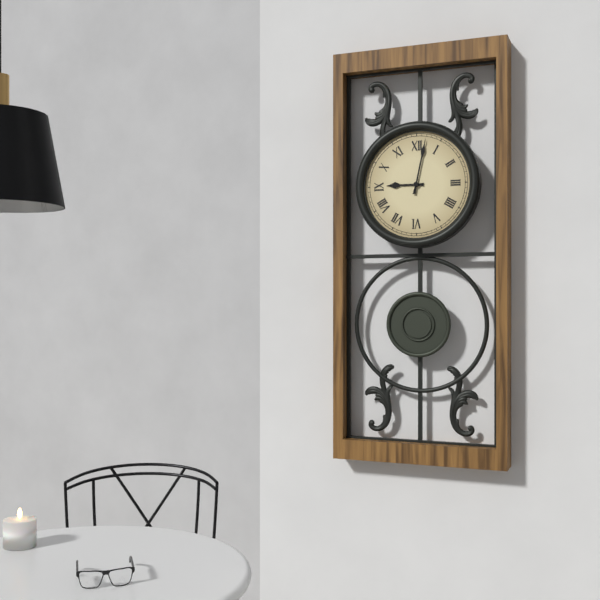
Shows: 9:02
